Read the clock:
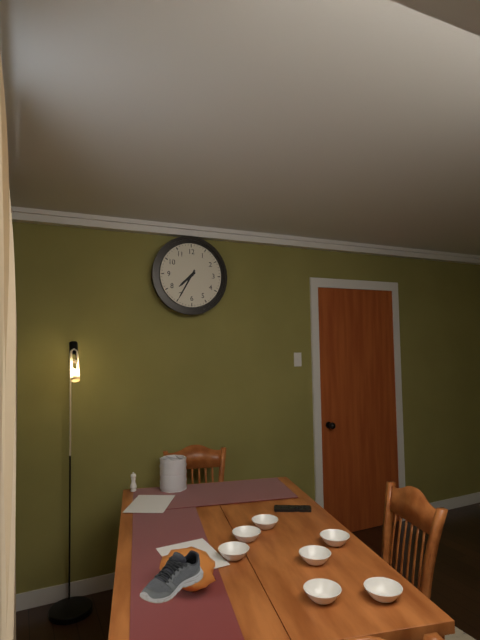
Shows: 7:35
